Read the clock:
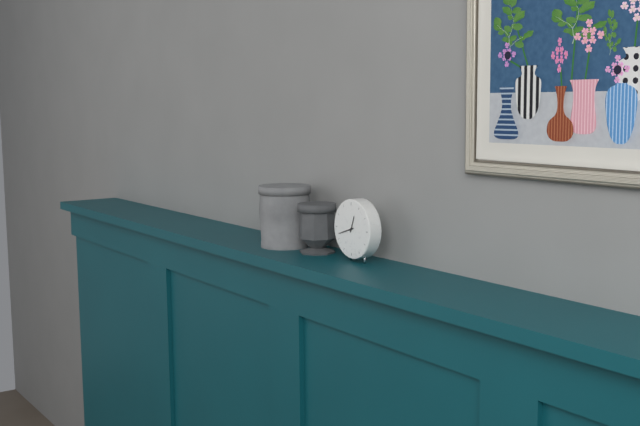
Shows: 12:42
